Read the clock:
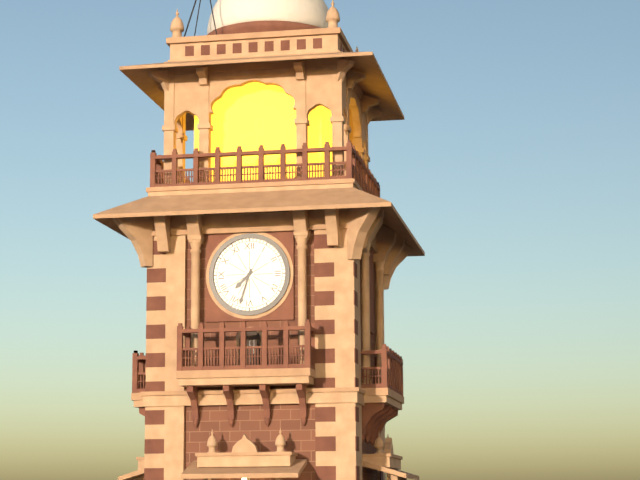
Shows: 7:33
